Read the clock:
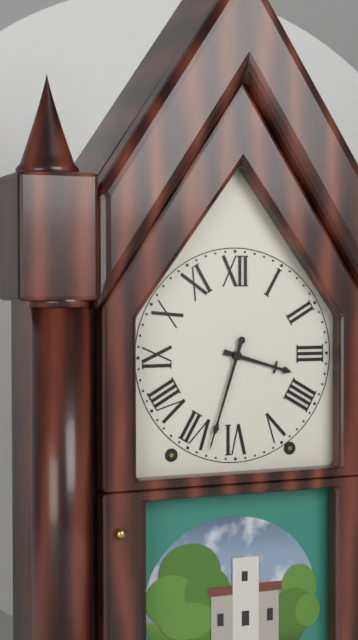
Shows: 3:33
